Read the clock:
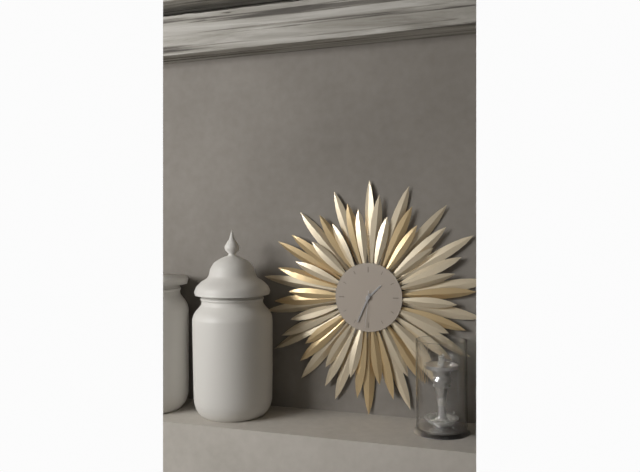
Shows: 1:34
